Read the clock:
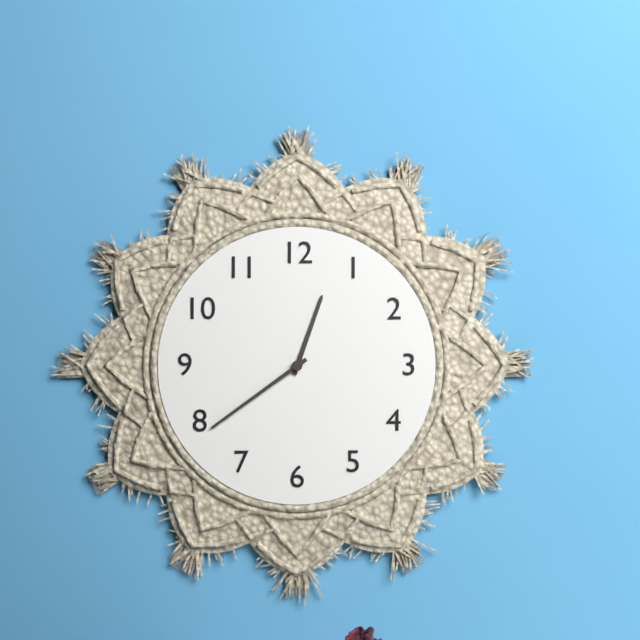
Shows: 12:39
